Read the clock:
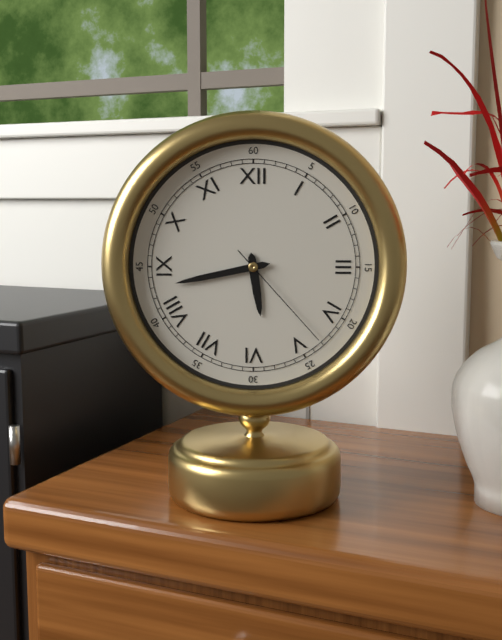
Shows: 5:43:23
